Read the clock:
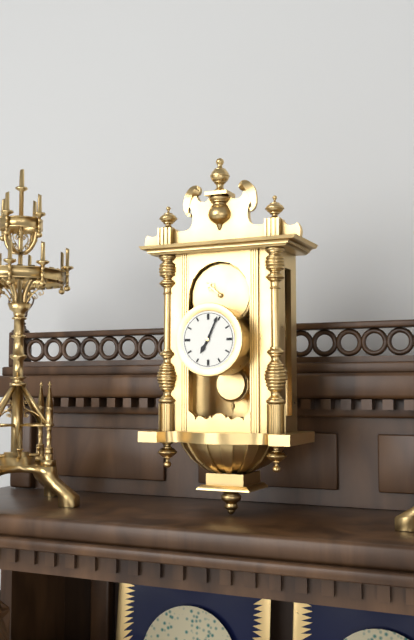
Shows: 7:04
